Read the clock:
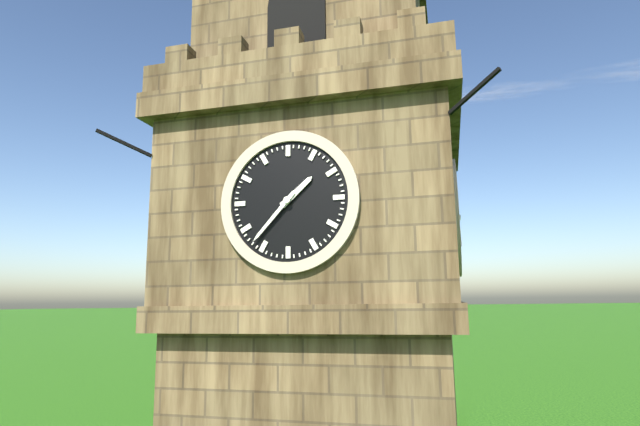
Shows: 1:37
